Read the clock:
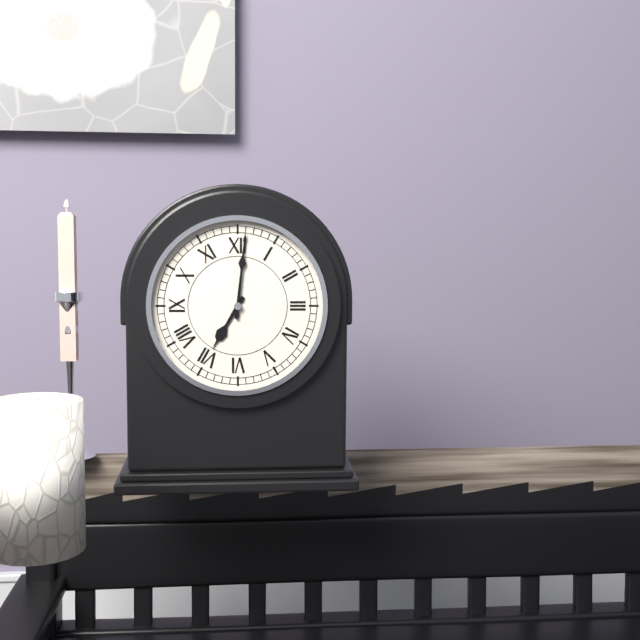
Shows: 7:01
